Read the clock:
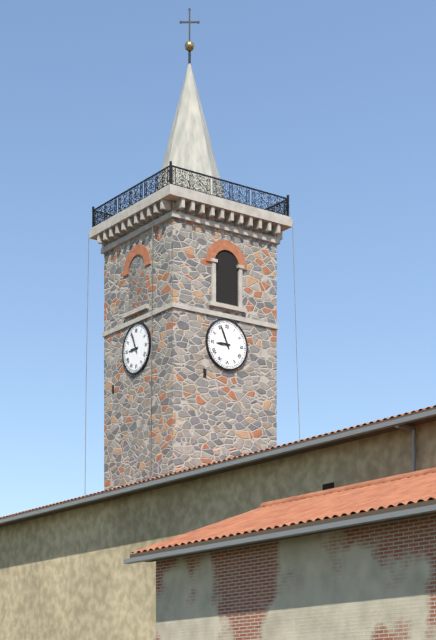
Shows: 8:56
